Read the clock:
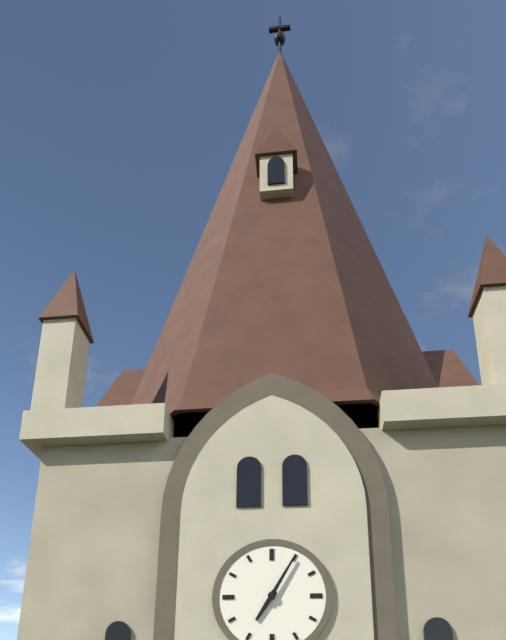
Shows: 7:05
